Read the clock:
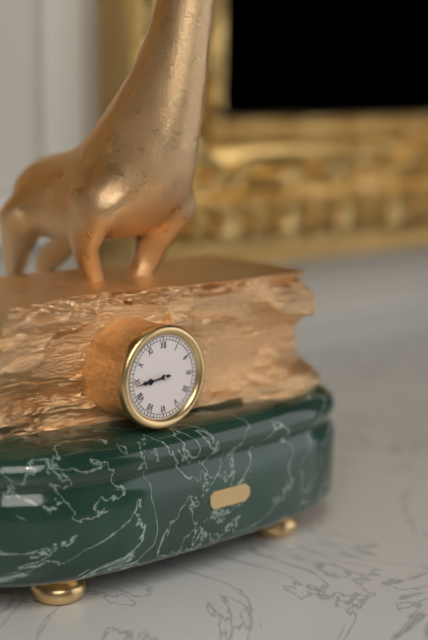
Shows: 8:44
